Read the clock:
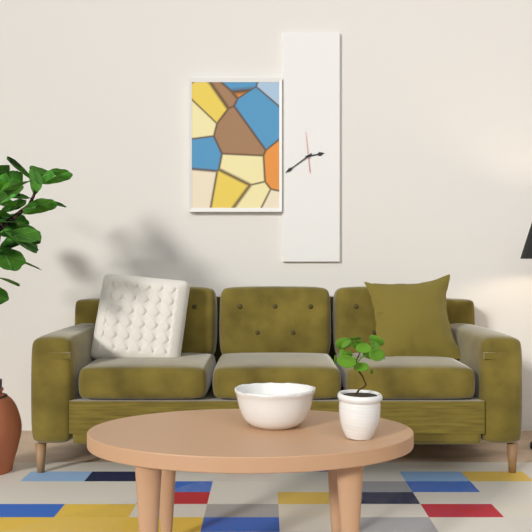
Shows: 2:39
